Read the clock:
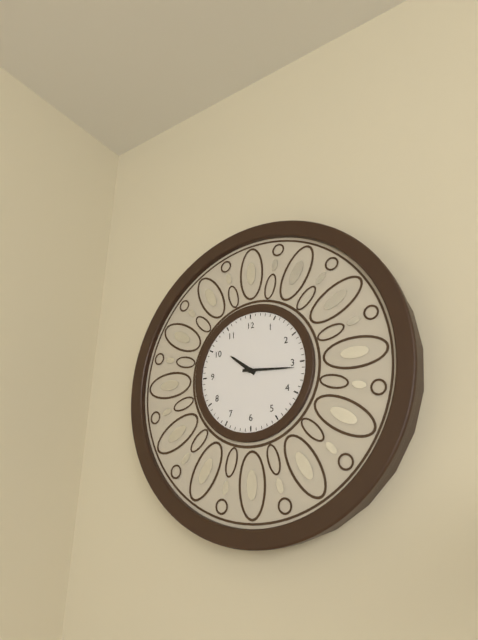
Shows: 10:16
